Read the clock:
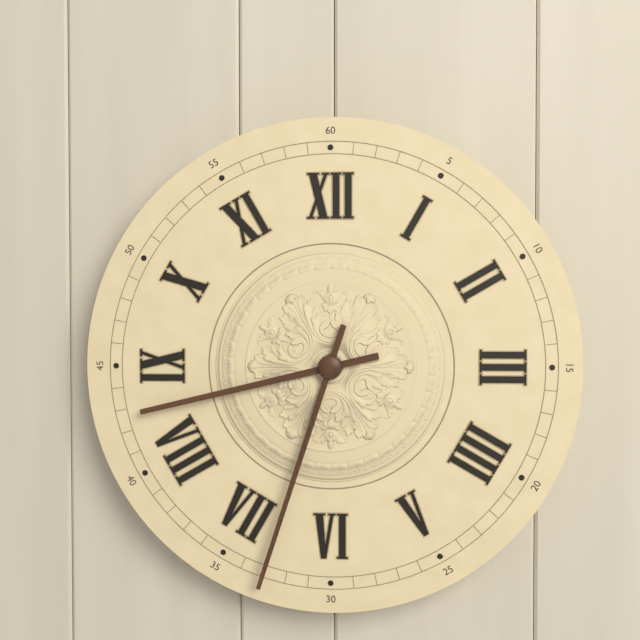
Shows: 8:33
